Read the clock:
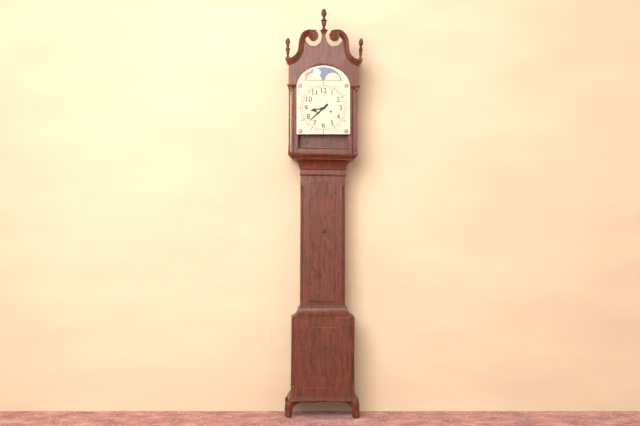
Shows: 8:38
